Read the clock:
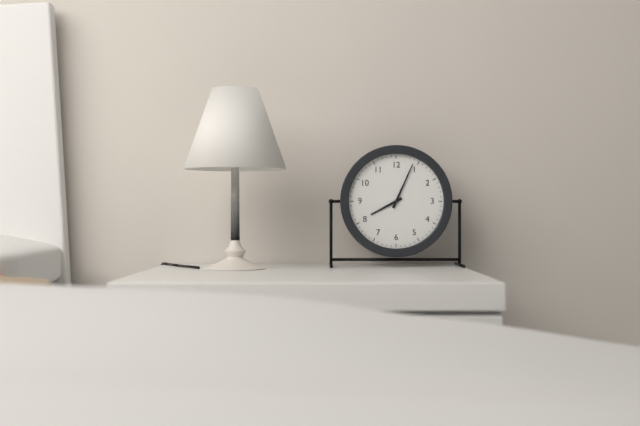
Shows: 8:04
